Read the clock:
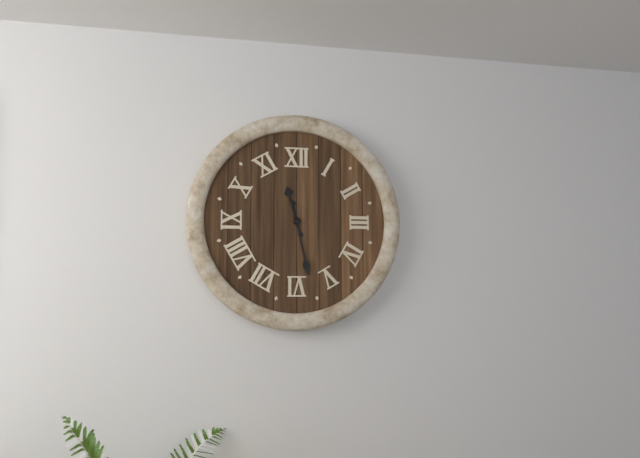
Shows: 11:28
